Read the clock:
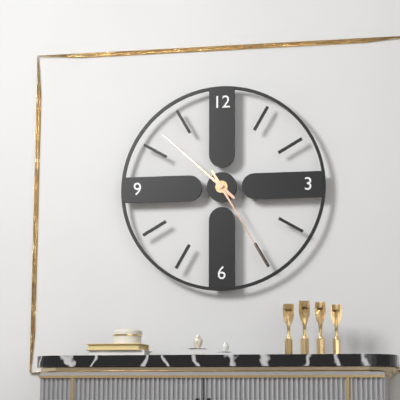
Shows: 10:25
